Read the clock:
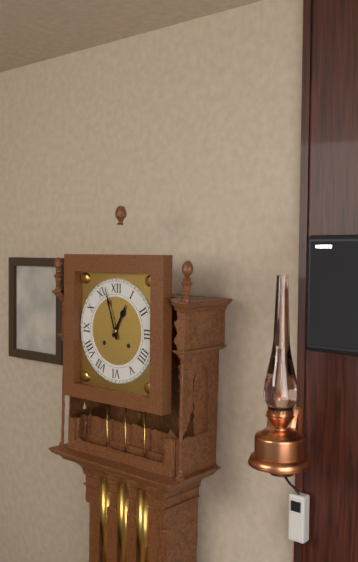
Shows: 12:57
